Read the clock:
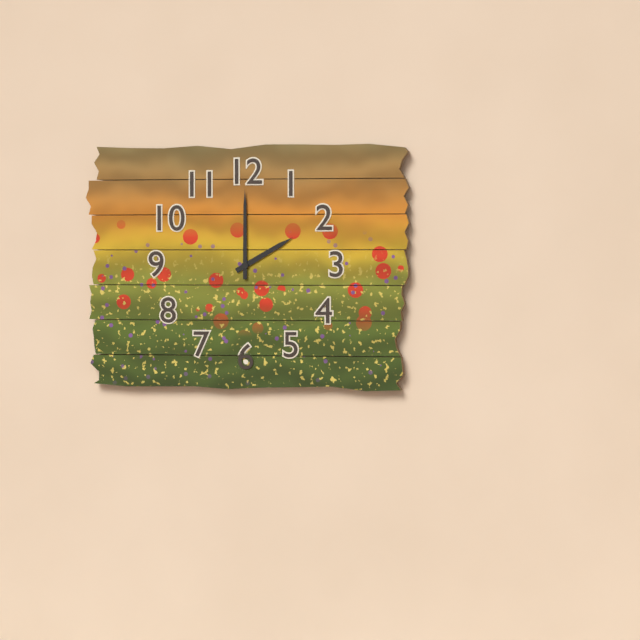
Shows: 2:00
